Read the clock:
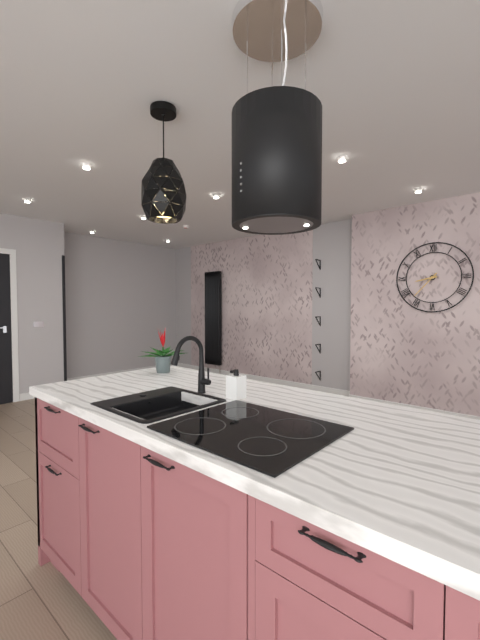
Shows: 8:37
